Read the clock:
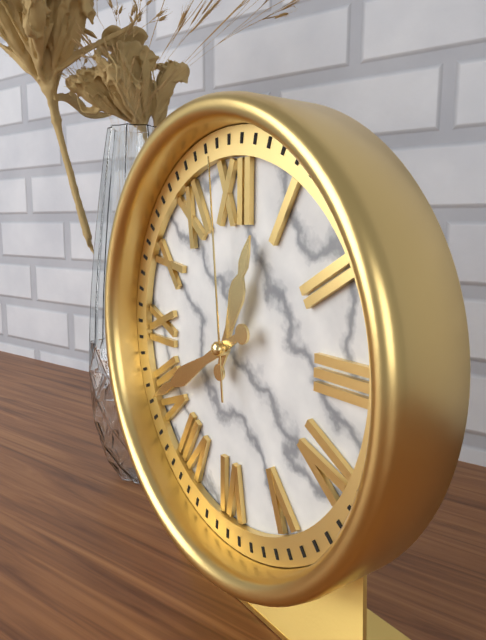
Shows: 12:40:59
